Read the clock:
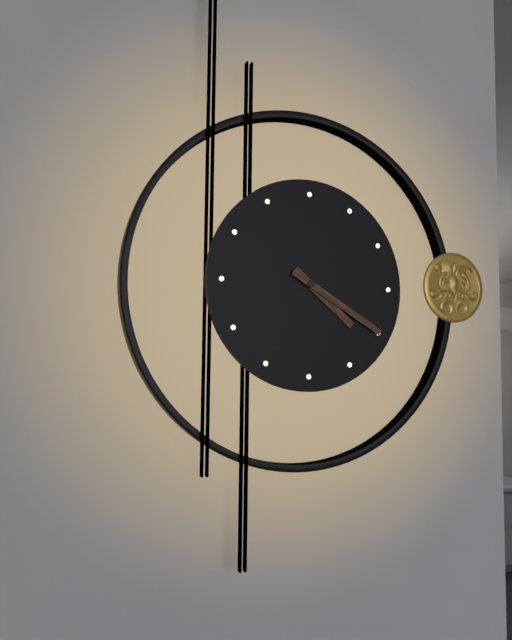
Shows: 4:20
